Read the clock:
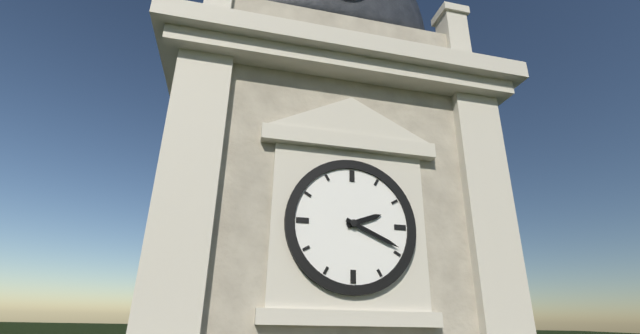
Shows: 2:19
